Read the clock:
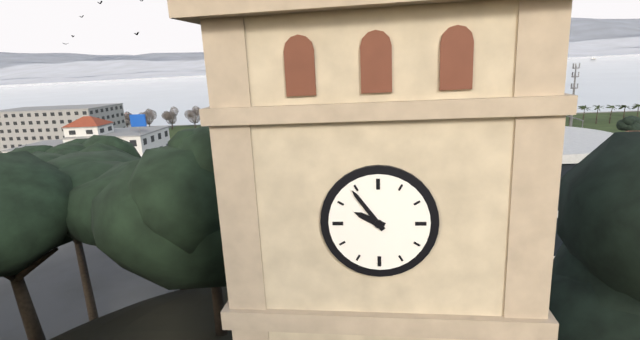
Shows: 9:54
